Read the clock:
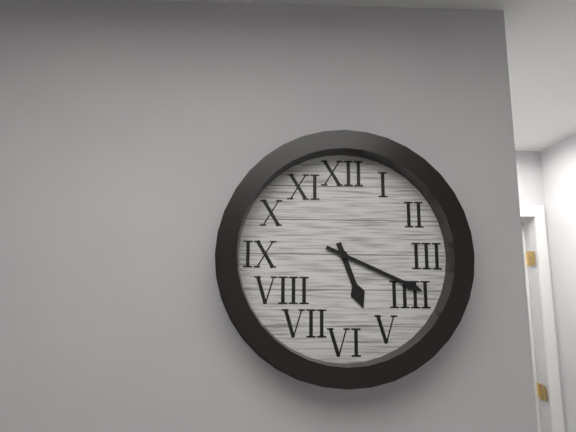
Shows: 5:19
